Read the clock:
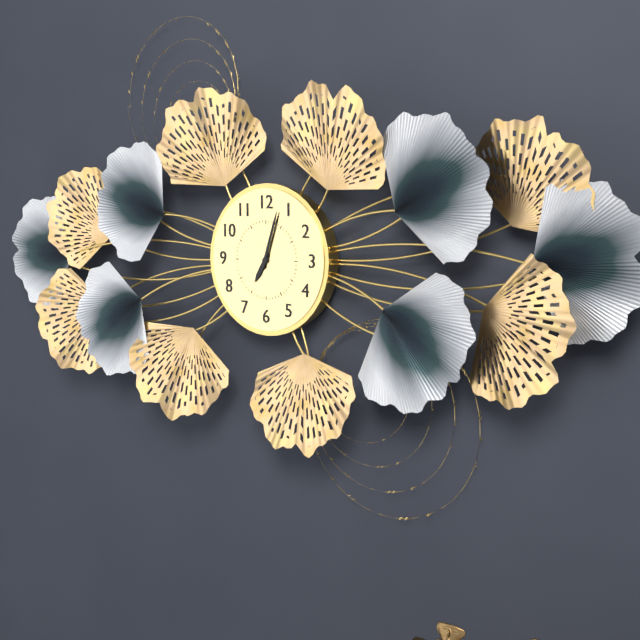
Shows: 7:03
